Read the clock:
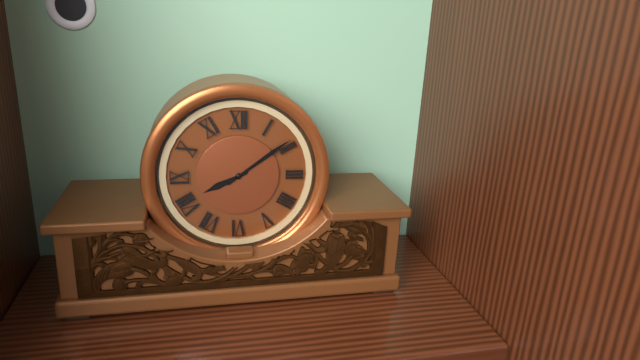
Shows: 8:09
